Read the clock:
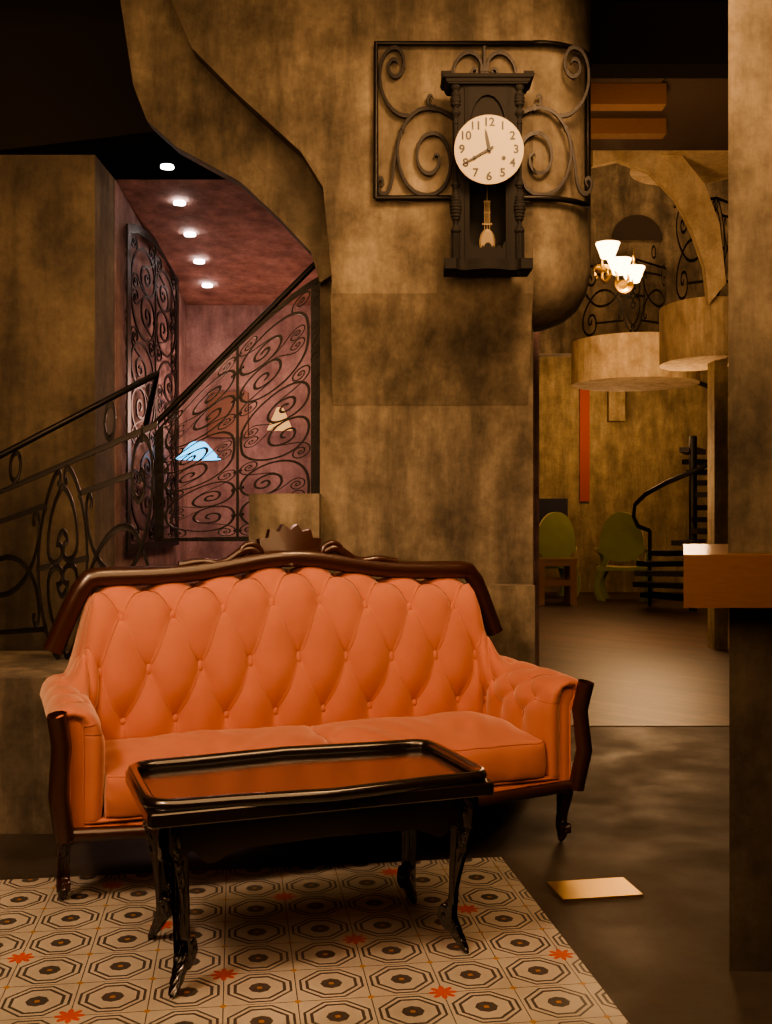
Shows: 11:40
